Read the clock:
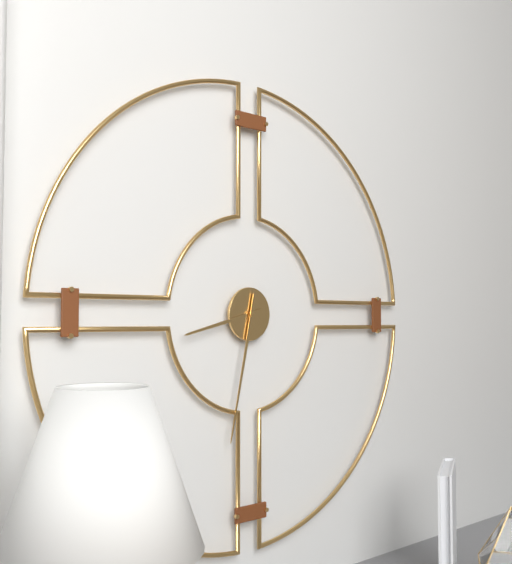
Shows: 8:32
